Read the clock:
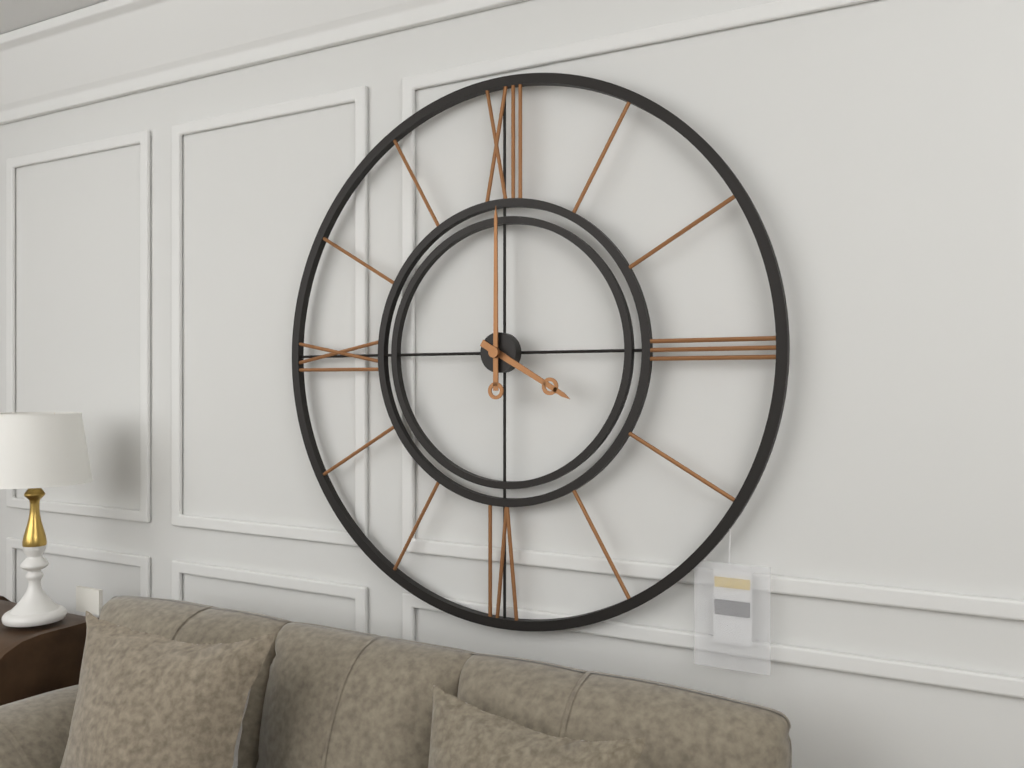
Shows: 4:00
